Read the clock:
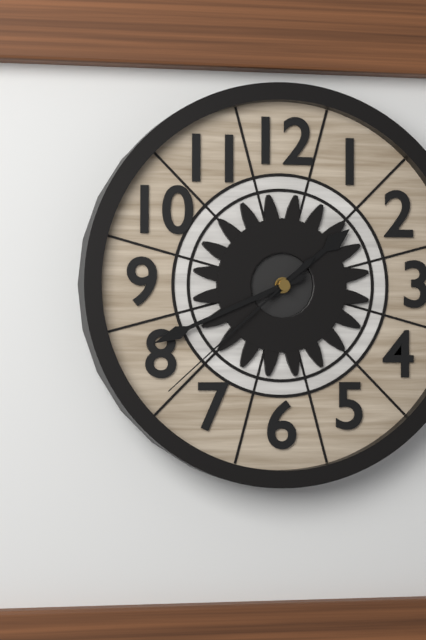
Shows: 1:41:38
